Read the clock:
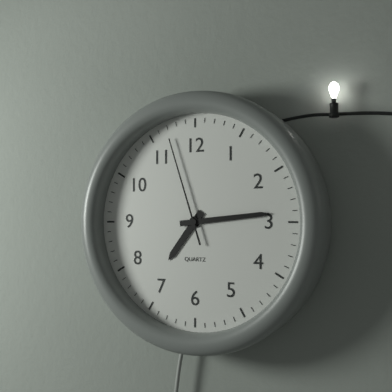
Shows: 7:14:57
